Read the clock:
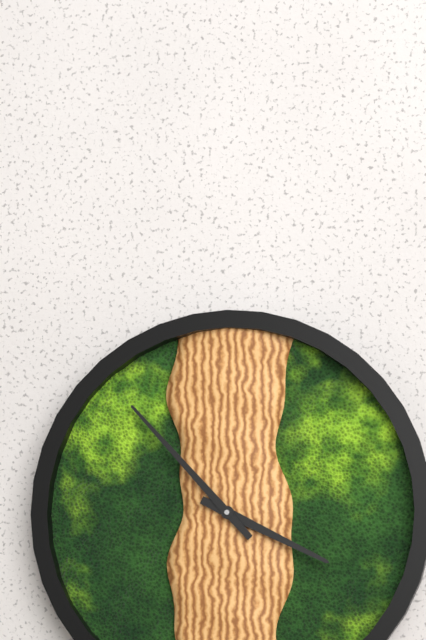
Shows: 3:53
